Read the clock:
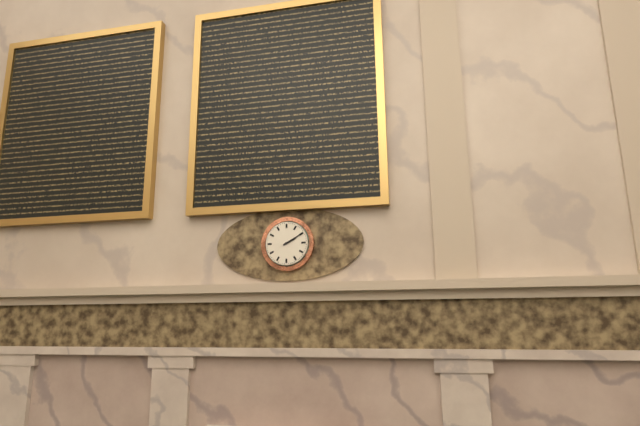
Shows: 2:10
